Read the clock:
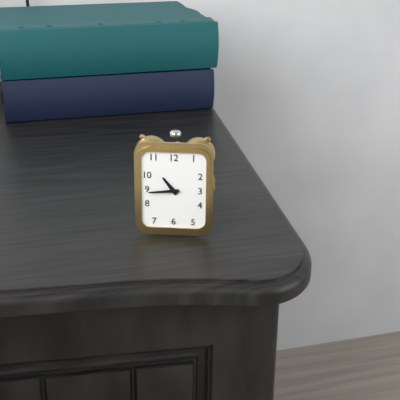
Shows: 10:44
